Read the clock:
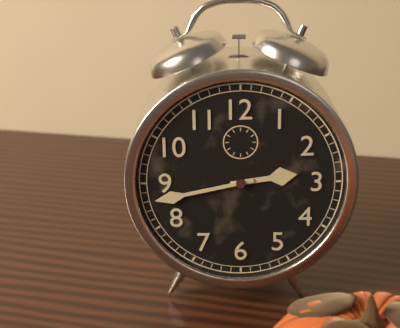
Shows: 2:43
